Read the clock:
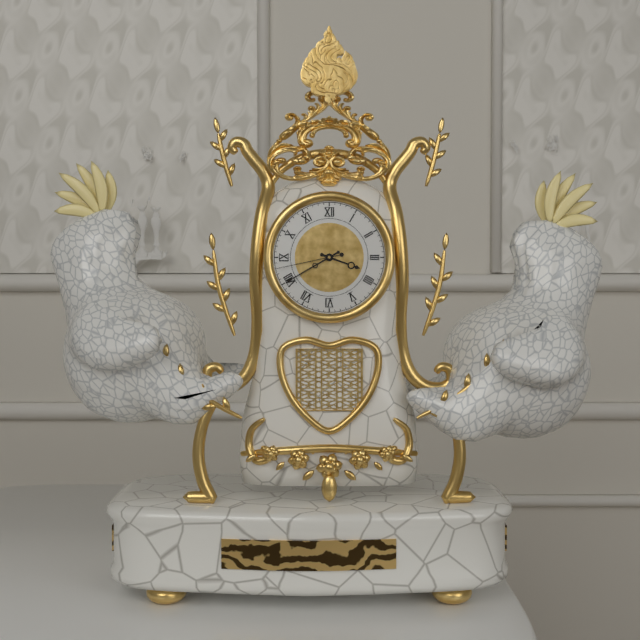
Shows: 3:40:43
